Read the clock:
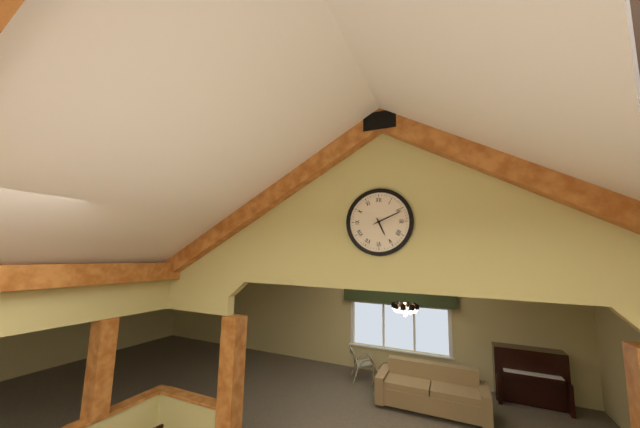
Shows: 5:11
